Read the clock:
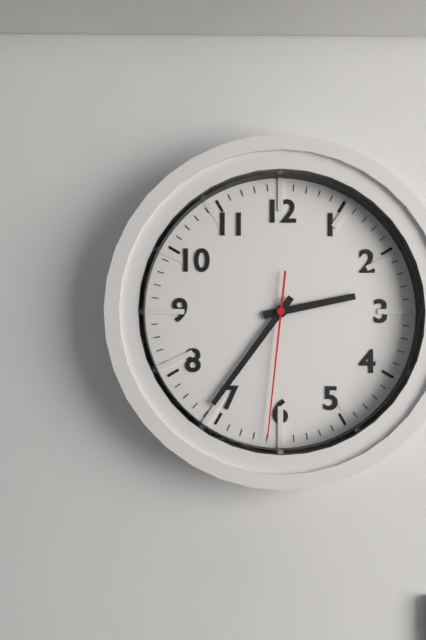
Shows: 2:36:31
